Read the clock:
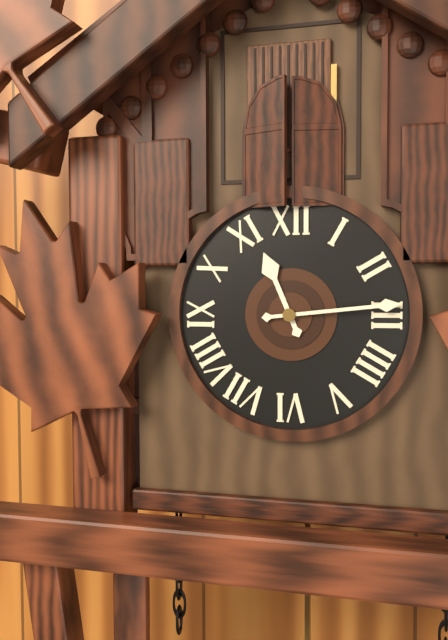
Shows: 11:14
